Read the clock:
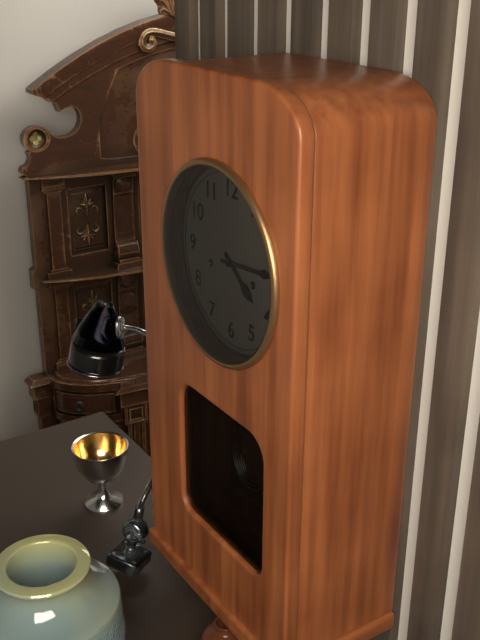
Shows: 4:14
